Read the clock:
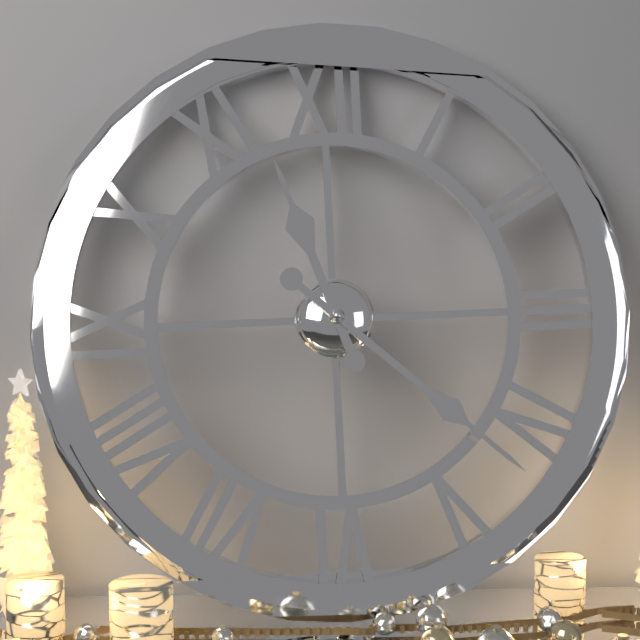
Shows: 11:22
